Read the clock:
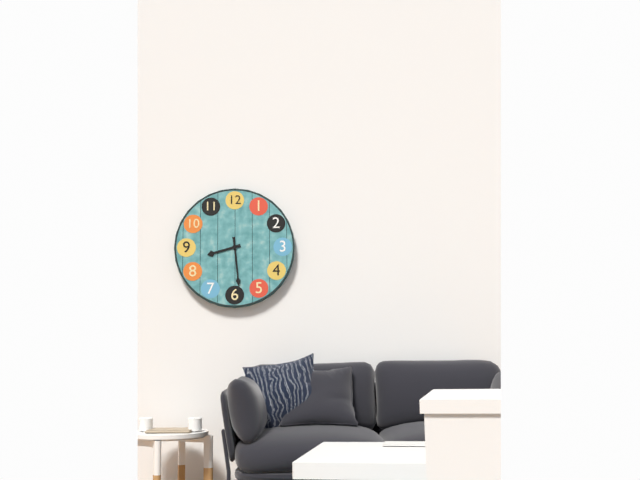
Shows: 8:29
